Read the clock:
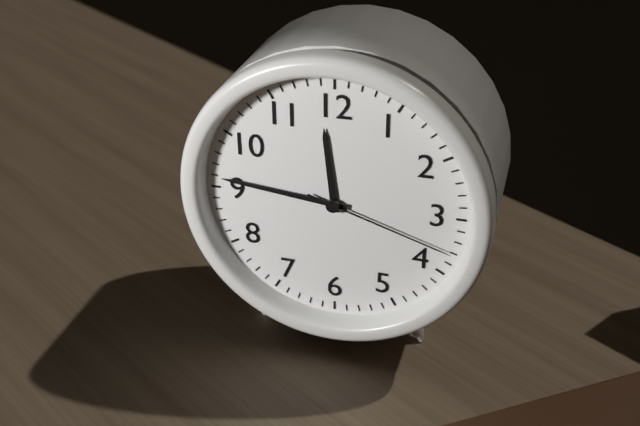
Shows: 11:46:18
